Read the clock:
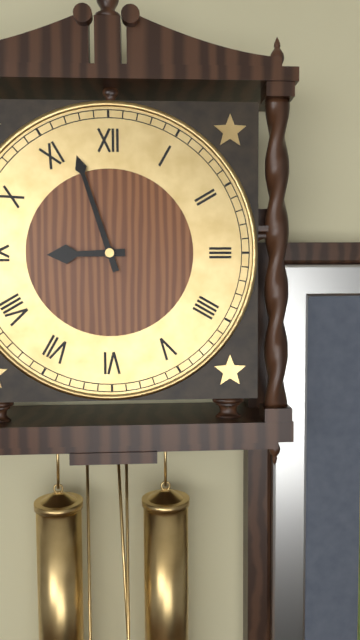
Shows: 8:57
